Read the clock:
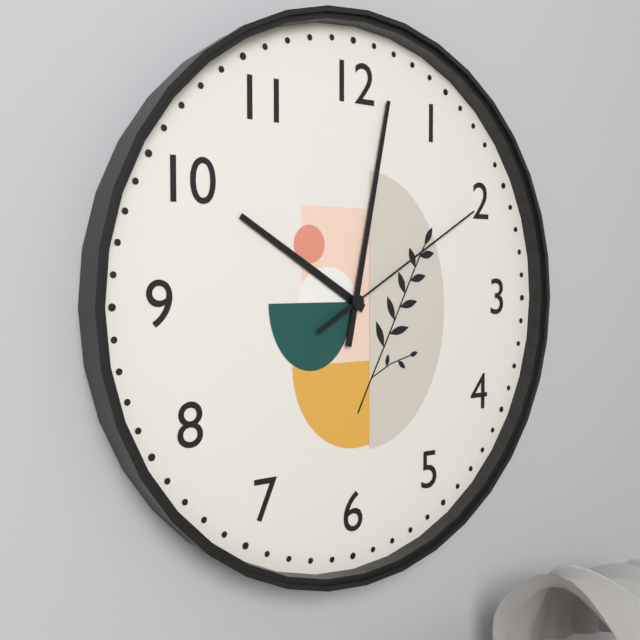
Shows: 10:02:10
